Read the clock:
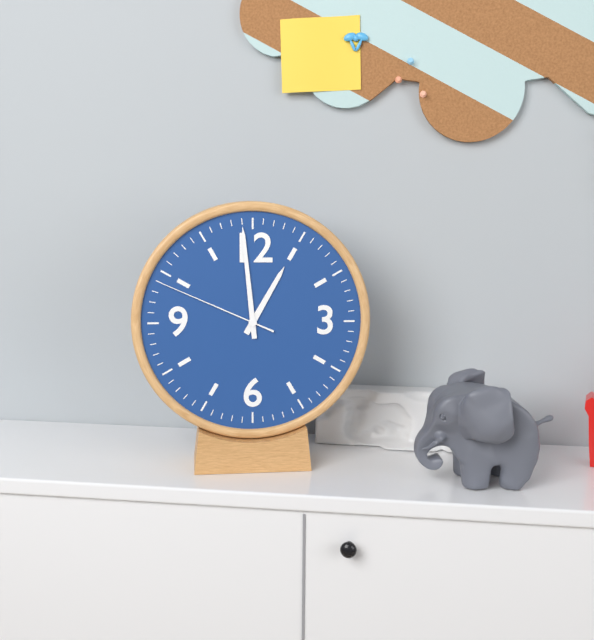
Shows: 12:59:49
